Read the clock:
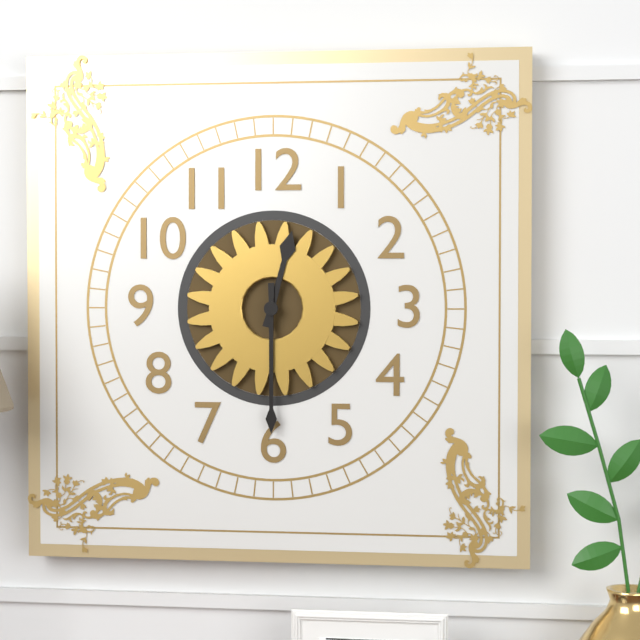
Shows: 12:30
